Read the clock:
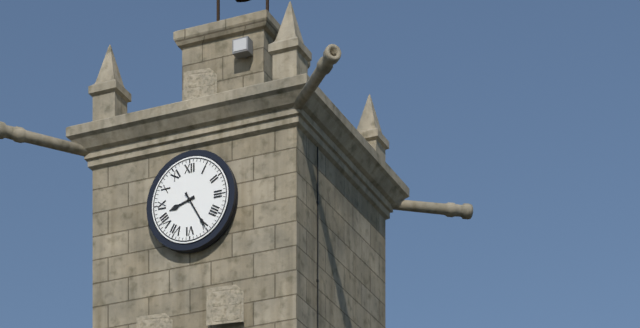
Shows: 8:25
